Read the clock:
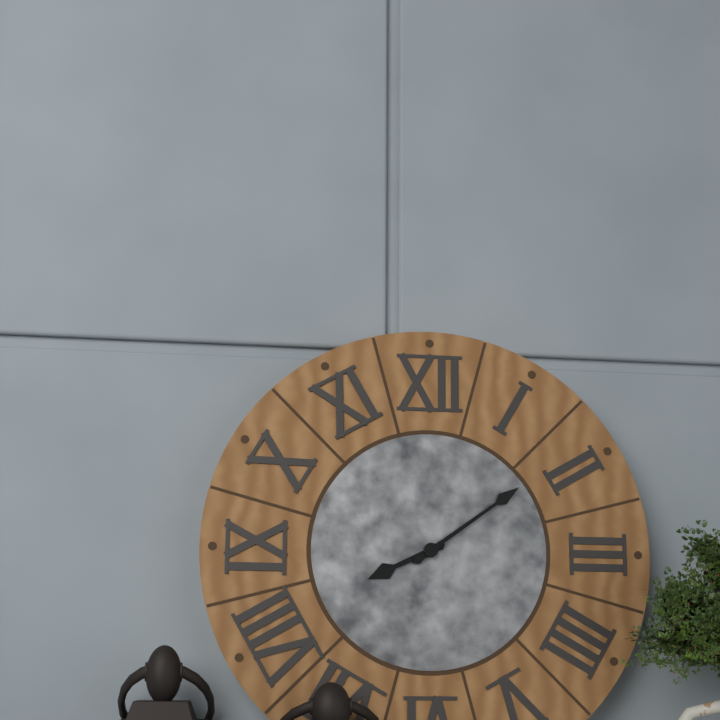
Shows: 8:09
